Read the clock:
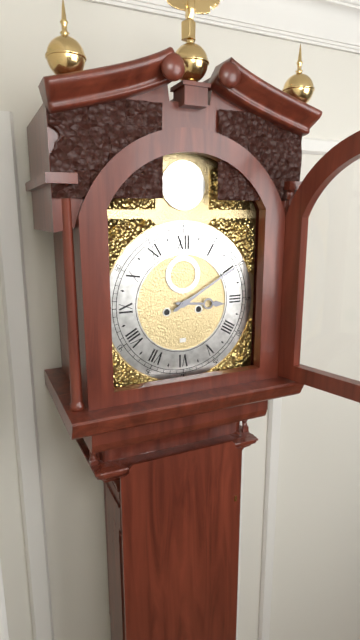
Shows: 3:10
